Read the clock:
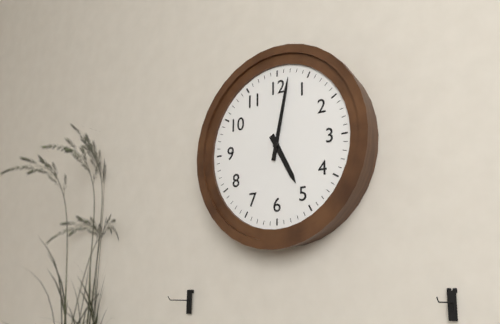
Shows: 5:02
